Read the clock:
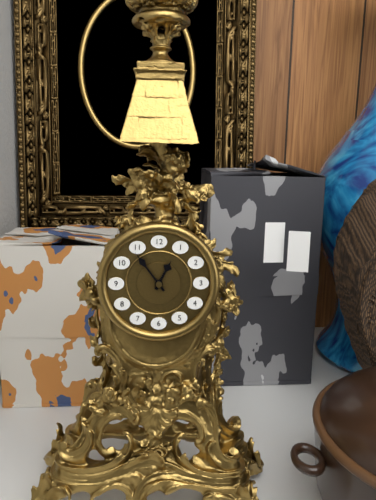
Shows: 12:54
